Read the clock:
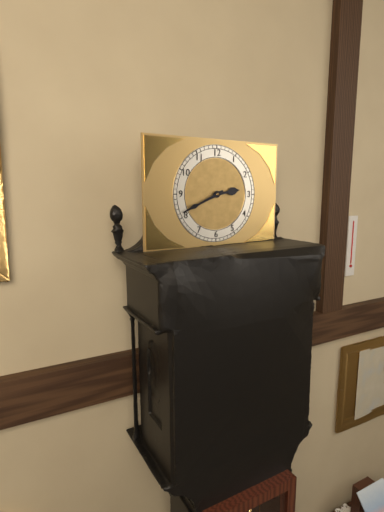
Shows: 2:41
